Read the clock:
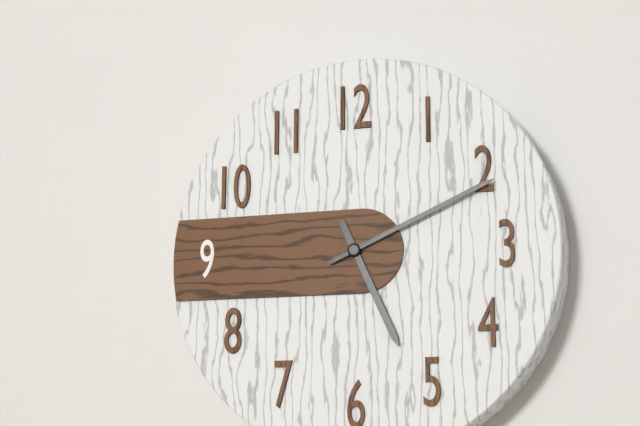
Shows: 5:11
